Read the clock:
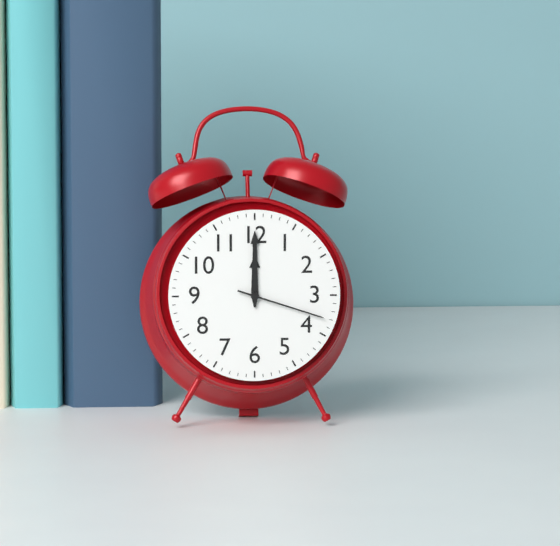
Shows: 12:00:18
